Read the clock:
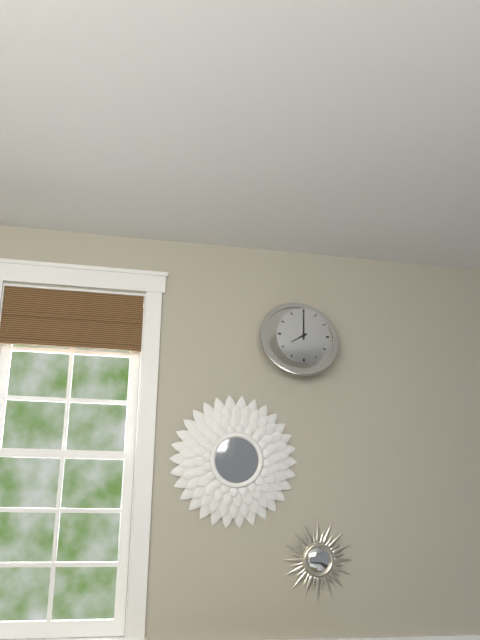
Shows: 8:00
